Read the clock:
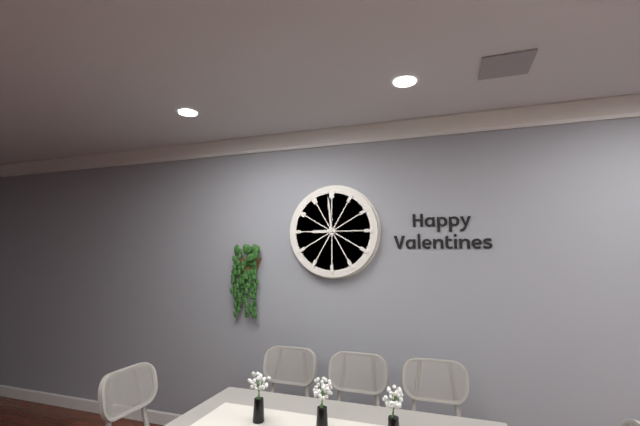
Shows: 8:59
